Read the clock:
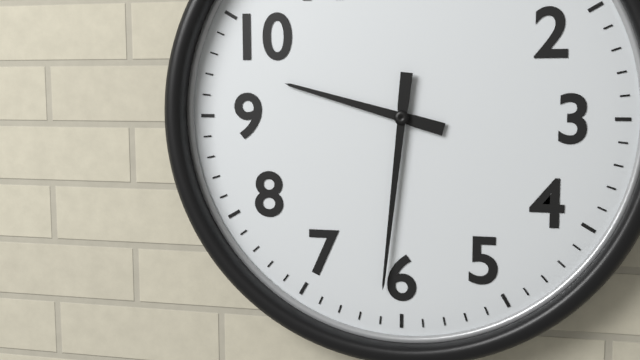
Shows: 9:31
